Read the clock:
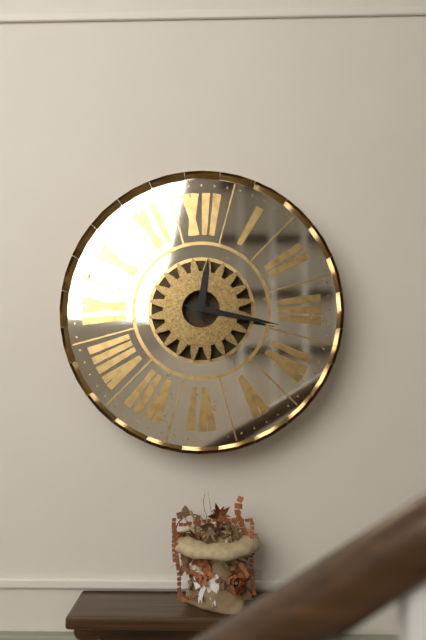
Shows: 12:17
